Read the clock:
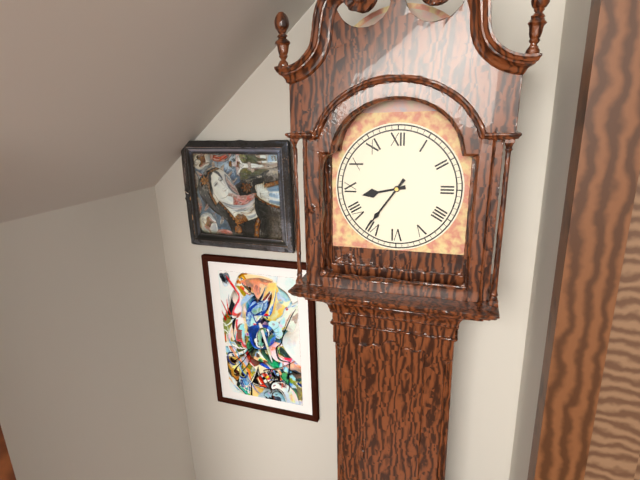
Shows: 8:36
